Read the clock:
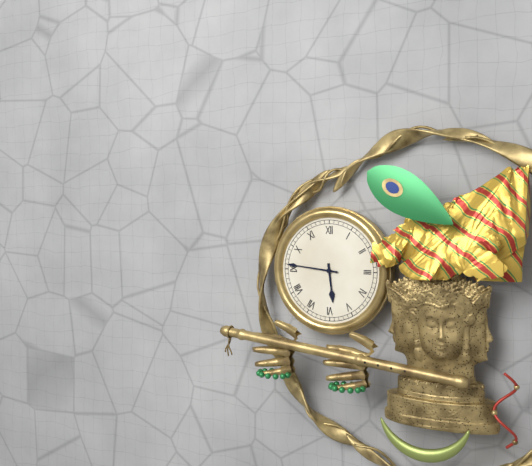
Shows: 5:46
